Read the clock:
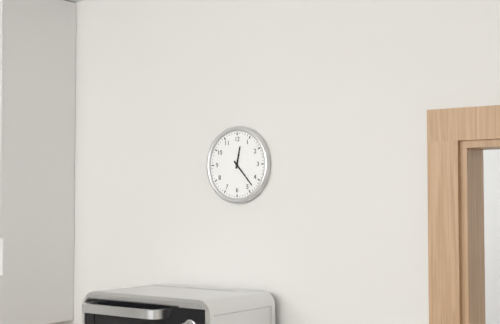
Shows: 12:23
